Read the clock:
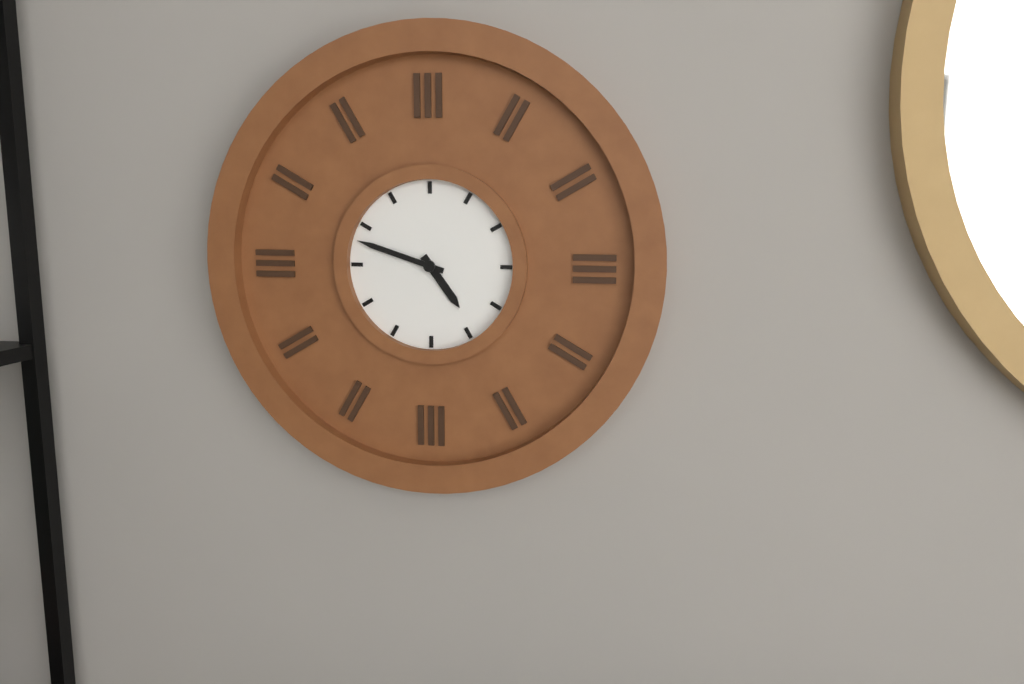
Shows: 4:48
